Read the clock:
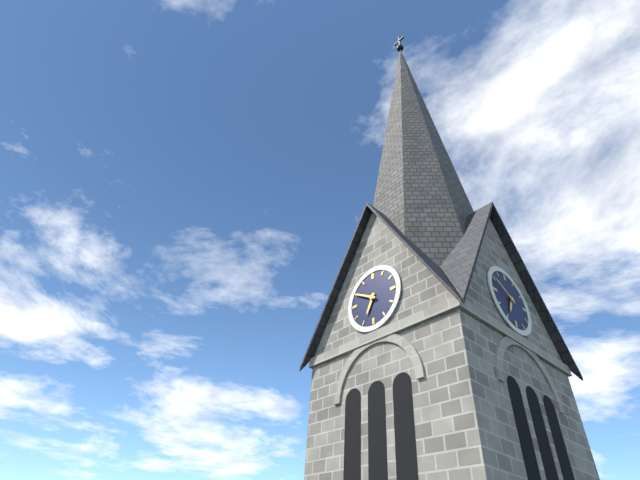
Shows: 6:50
